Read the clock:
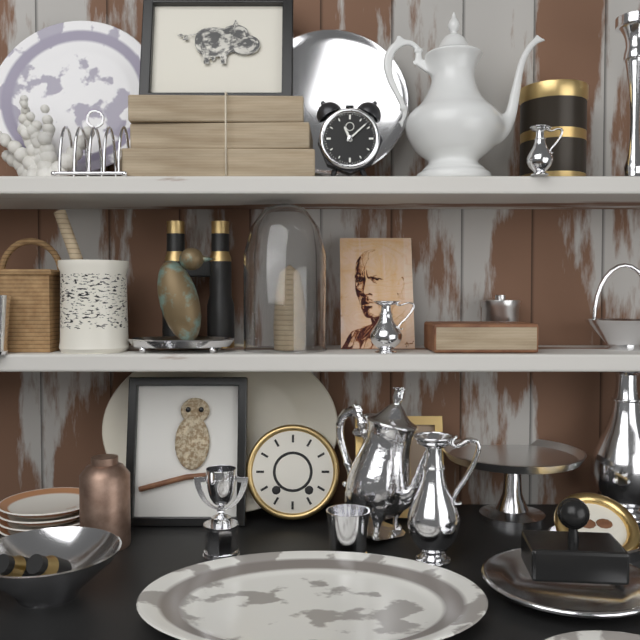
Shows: 11:08
